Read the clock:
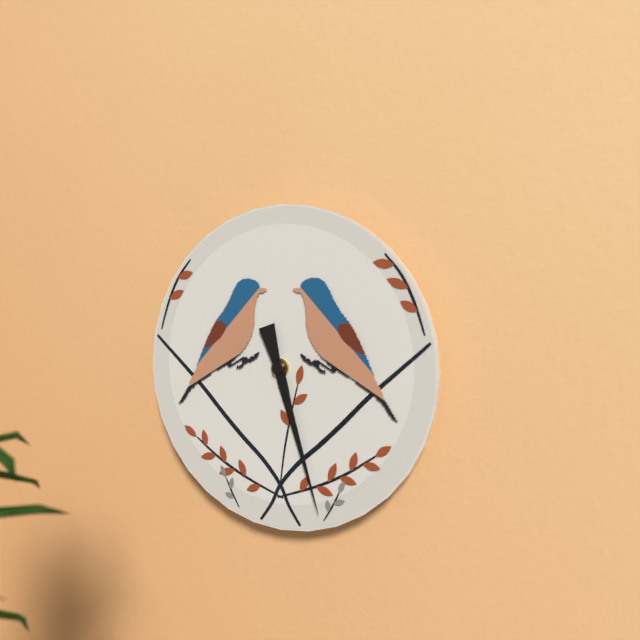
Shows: 5:27
